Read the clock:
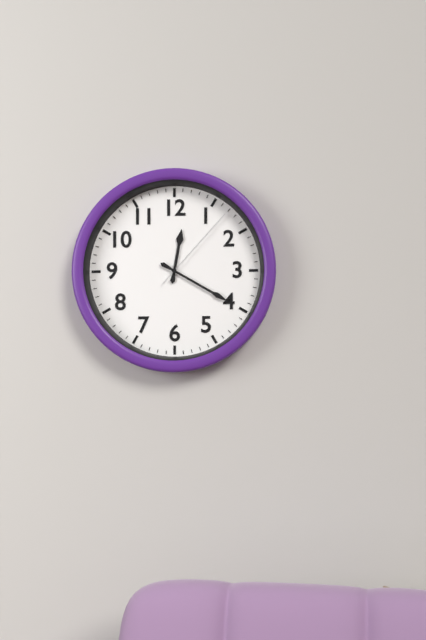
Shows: 12:20:07
